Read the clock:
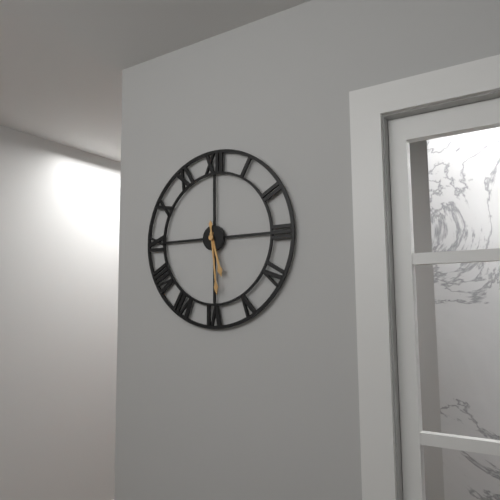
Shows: 5:29
